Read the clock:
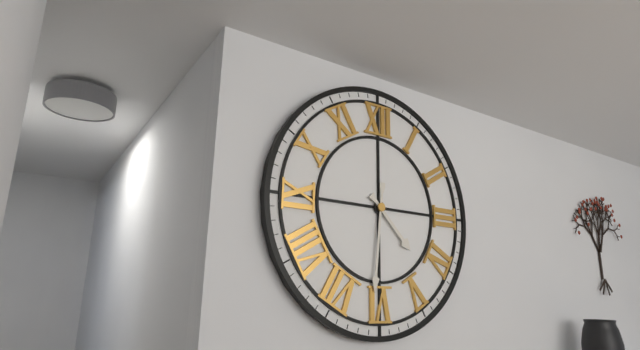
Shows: 4:31
